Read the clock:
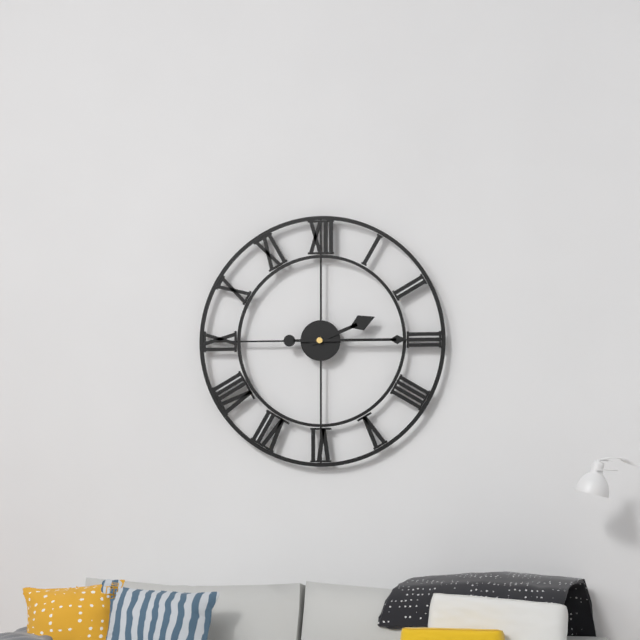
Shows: 2:15
